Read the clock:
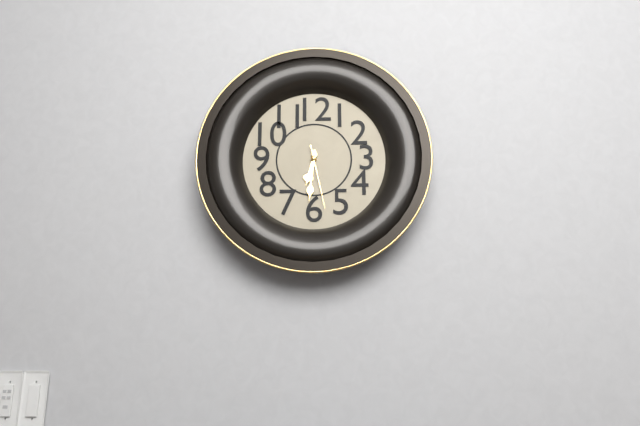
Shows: 6:31:28
